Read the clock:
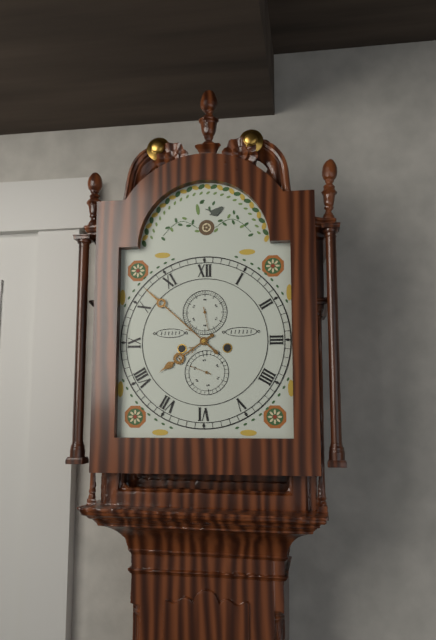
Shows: 7:52
